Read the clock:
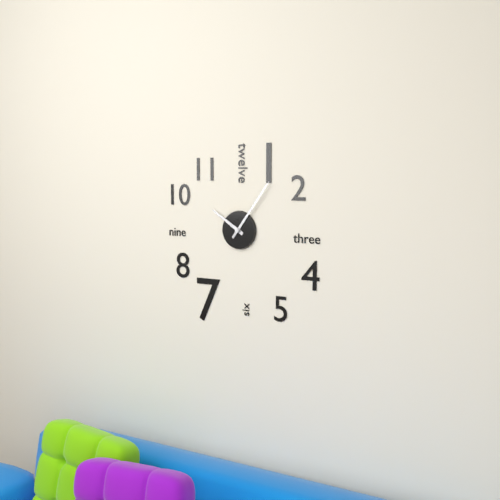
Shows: 10:06
